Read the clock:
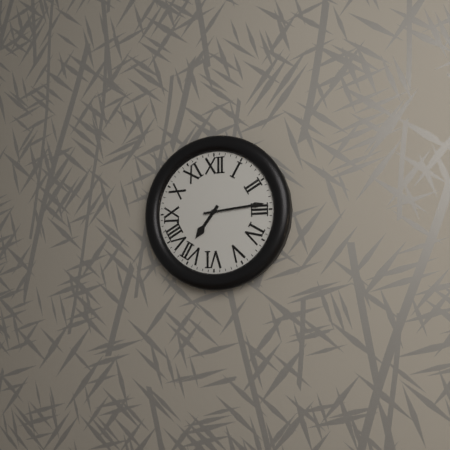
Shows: 7:14
